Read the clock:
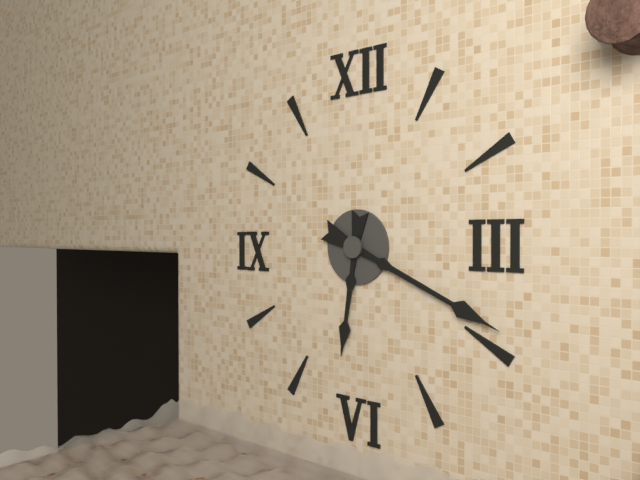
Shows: 6:19
